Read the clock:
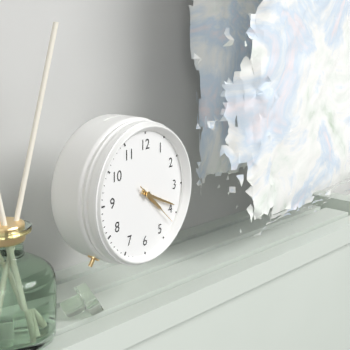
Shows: 4:19:22
